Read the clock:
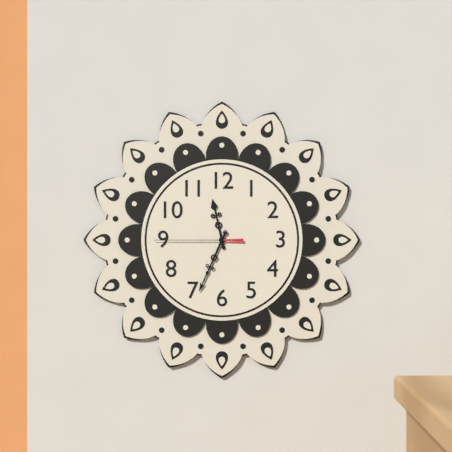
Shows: 11:34:45
